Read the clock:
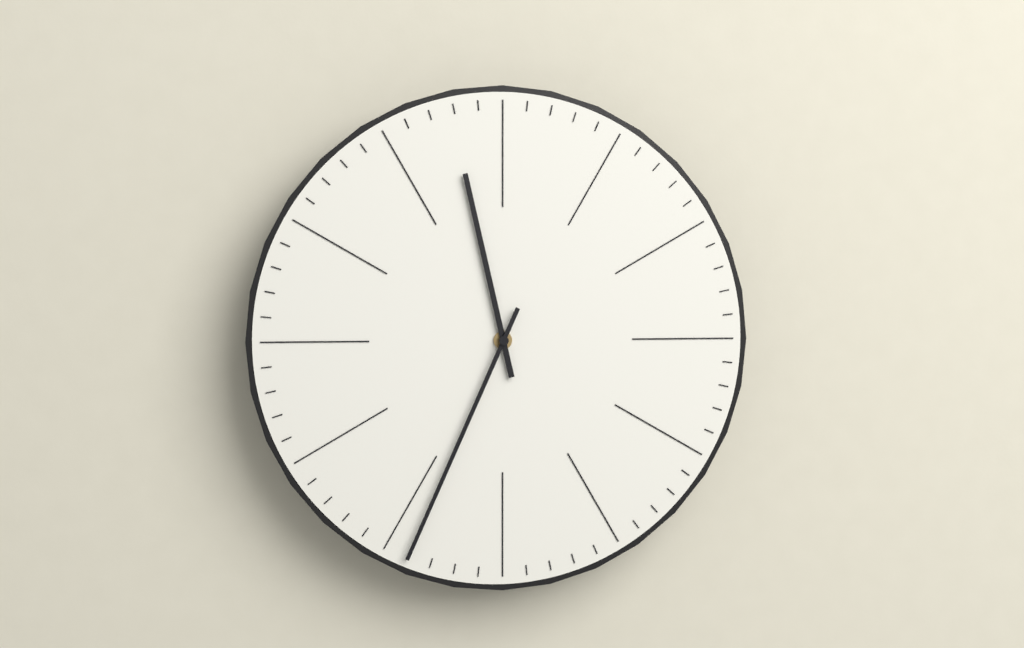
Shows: 11:34
